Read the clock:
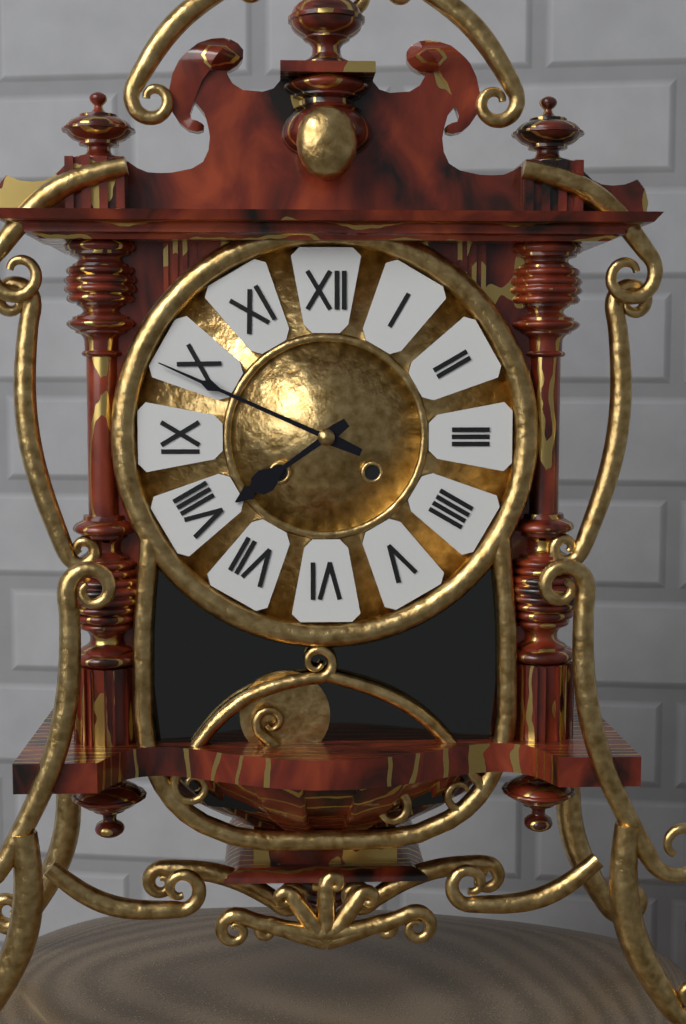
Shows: 7:49
